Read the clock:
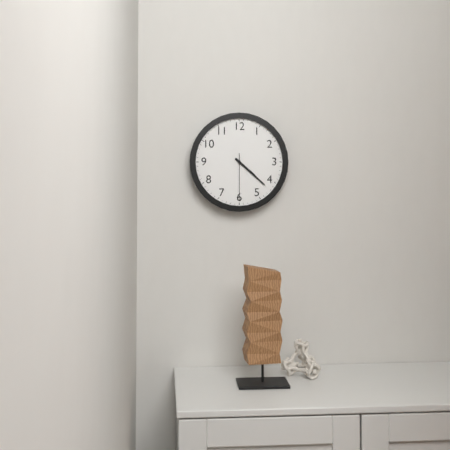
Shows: 4:22
